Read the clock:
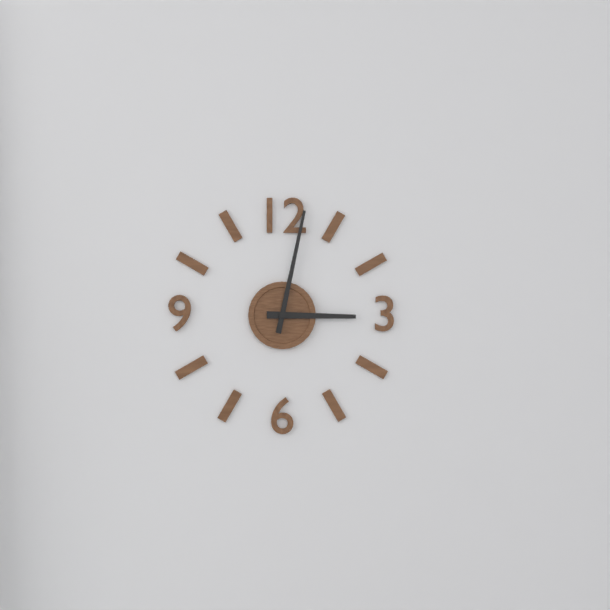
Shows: 3:02
